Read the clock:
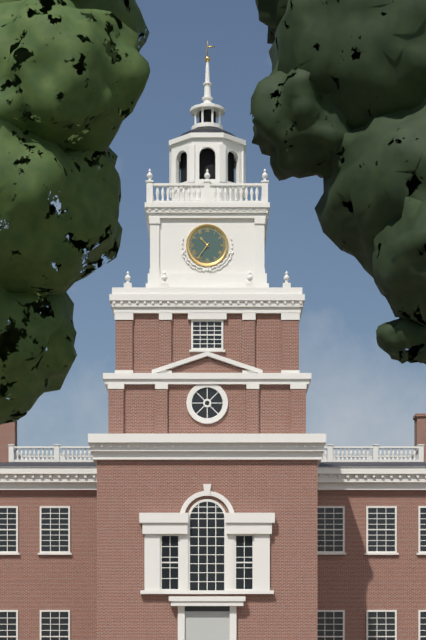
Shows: 10:36
